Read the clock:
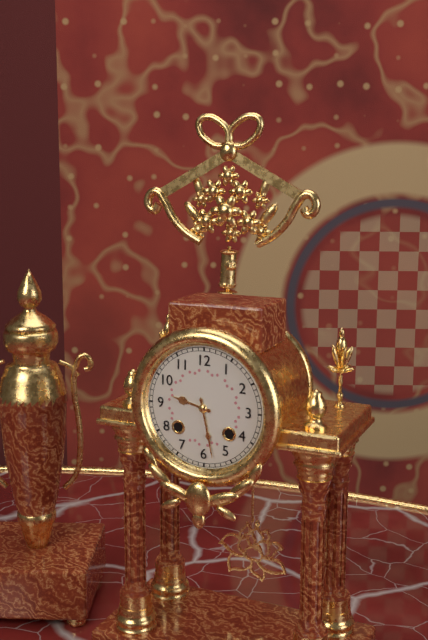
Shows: 9:28
